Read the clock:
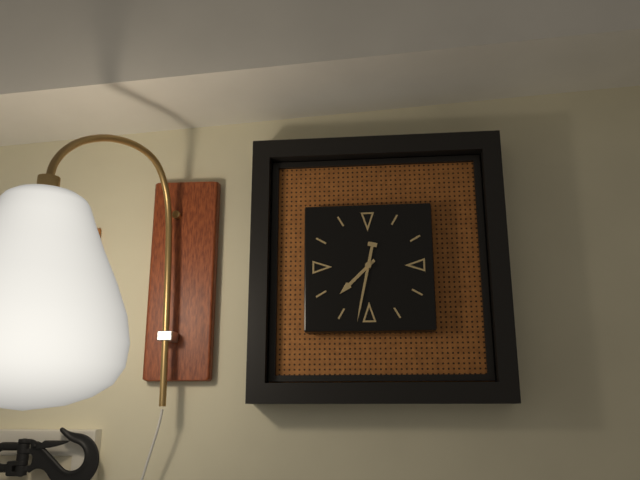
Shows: 7:32
